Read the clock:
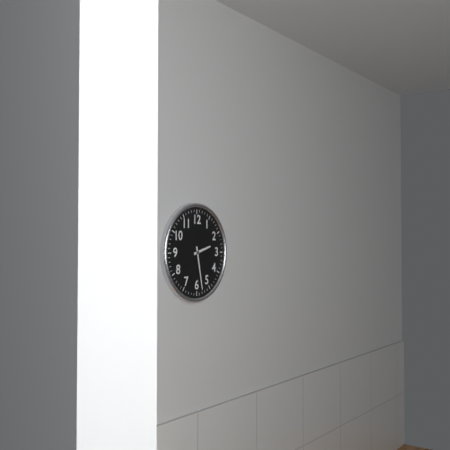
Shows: 2:28
